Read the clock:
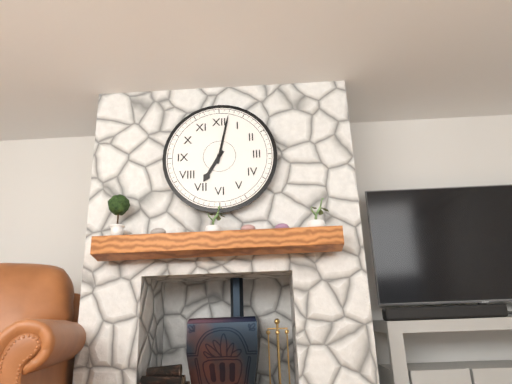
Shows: 7:02
